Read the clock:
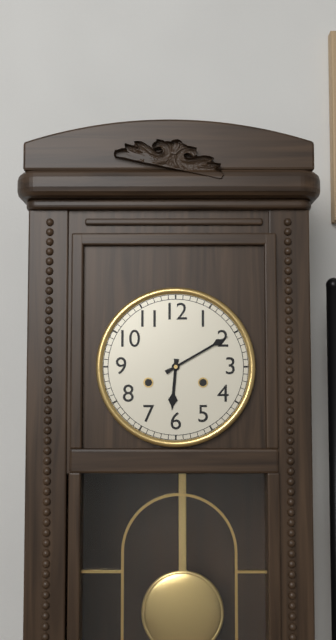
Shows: 6:10
